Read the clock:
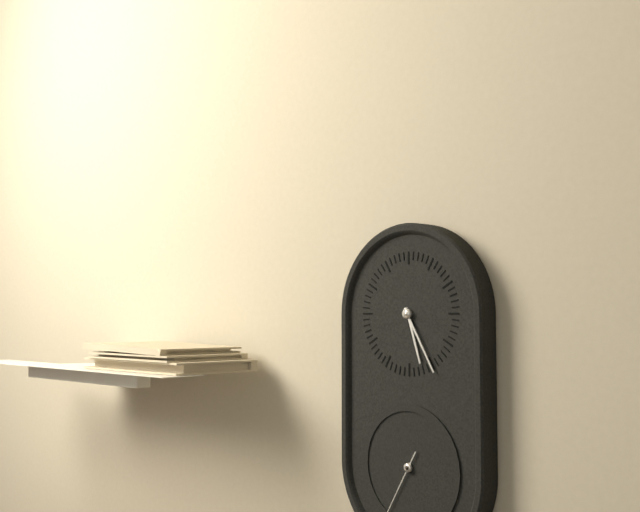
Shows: 5:25
